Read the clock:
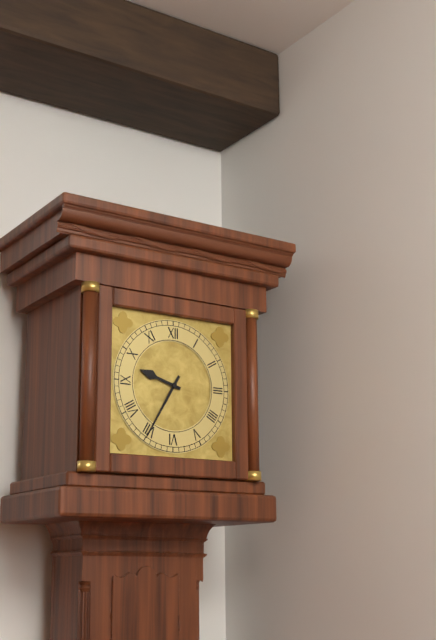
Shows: 9:35
